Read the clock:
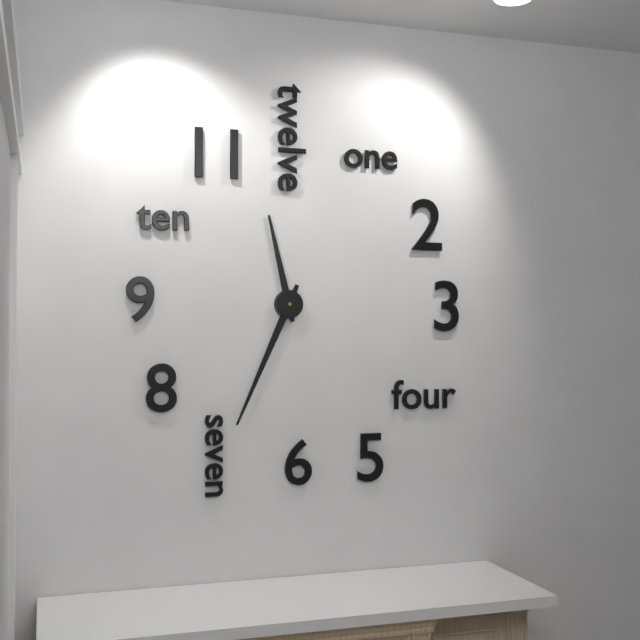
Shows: 11:34
